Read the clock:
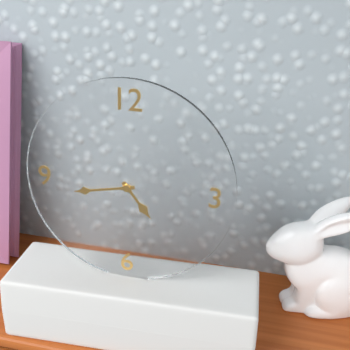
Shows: 4:43
